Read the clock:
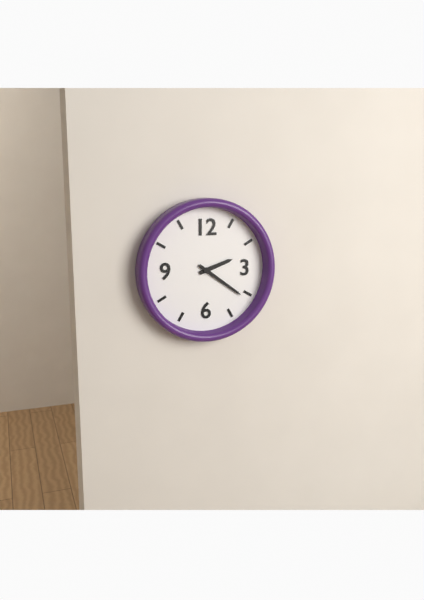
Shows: 2:21
